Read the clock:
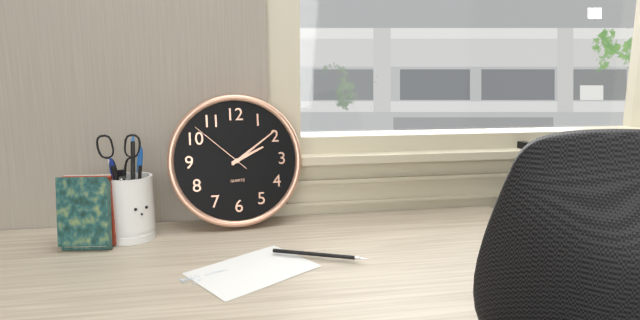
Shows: 2:09:52
